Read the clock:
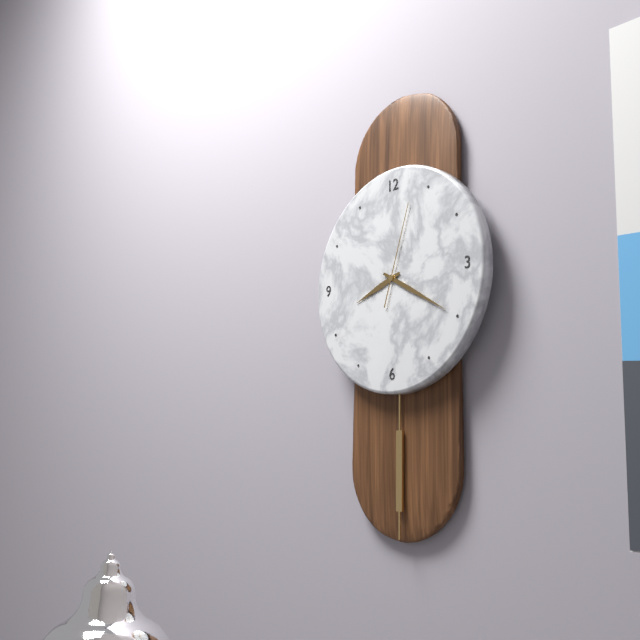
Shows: 8:20:03
